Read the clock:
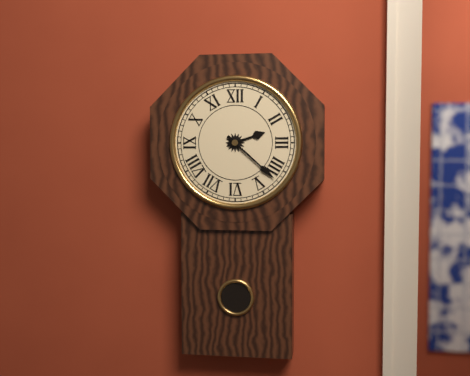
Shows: 2:22
